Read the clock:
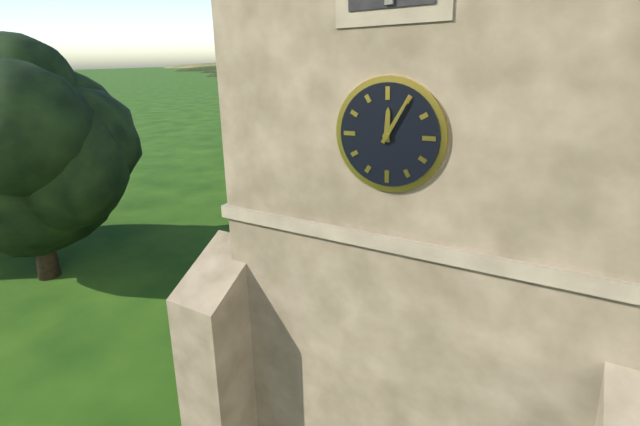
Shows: 12:05
